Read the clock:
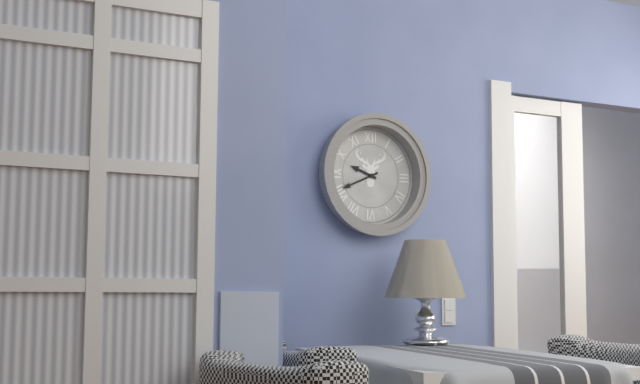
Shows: 9:41
